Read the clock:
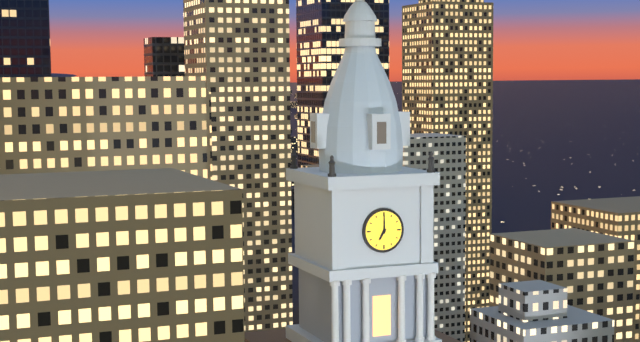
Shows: 7:00
